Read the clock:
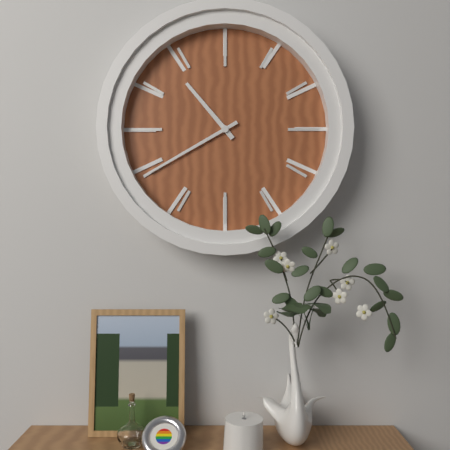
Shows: 10:40
